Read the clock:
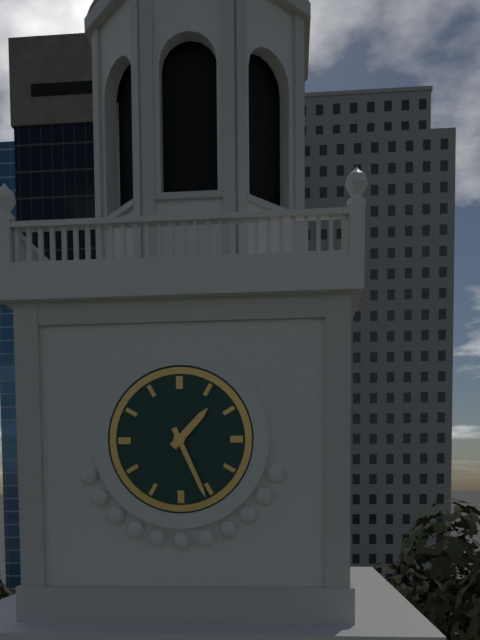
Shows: 1:26
